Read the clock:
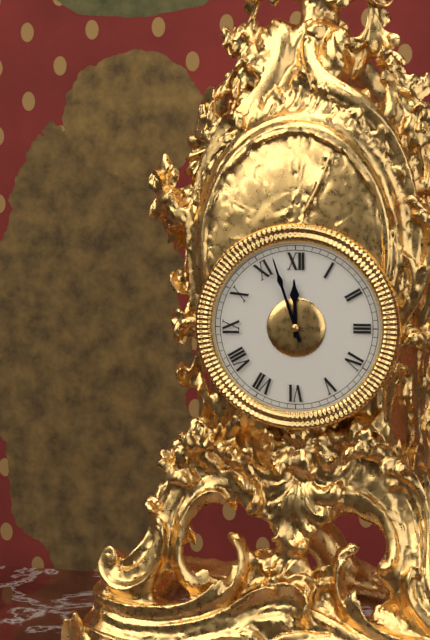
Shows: 11:57
